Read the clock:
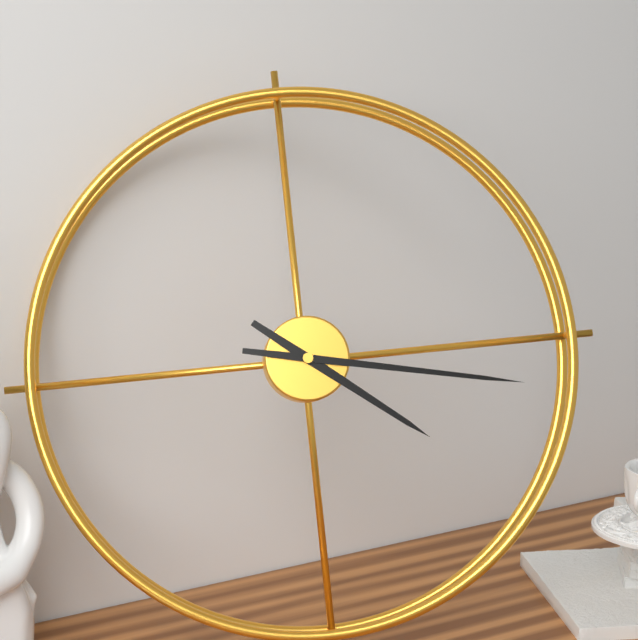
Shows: 4:17
